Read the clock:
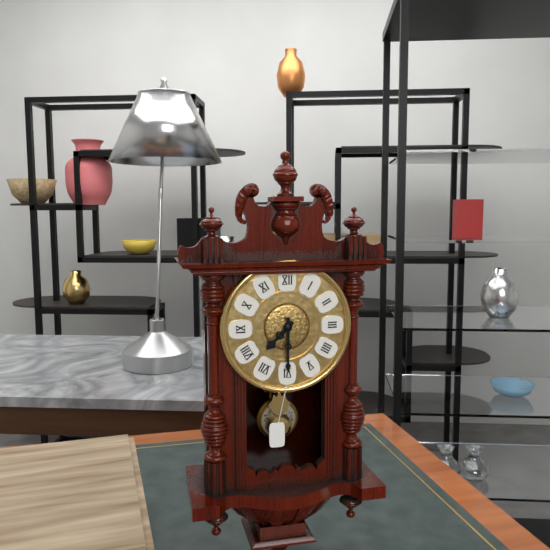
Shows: 7:30
